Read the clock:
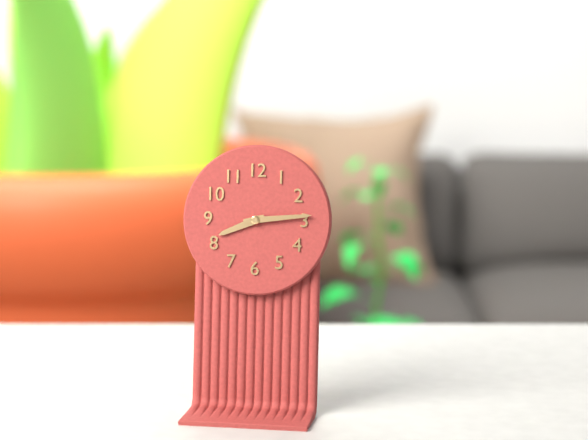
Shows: 8:14
